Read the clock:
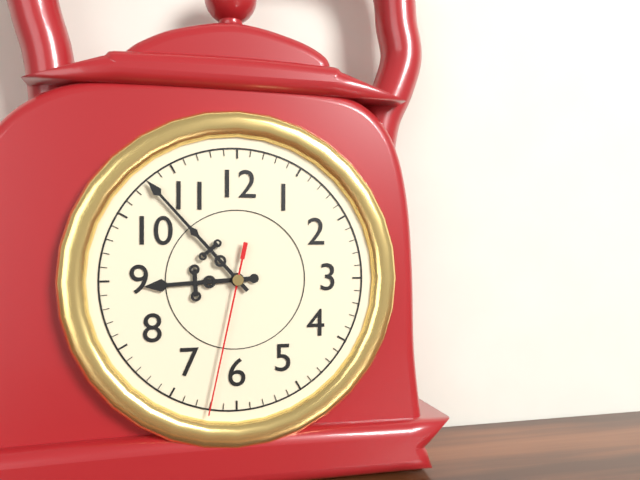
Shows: 8:53:32
